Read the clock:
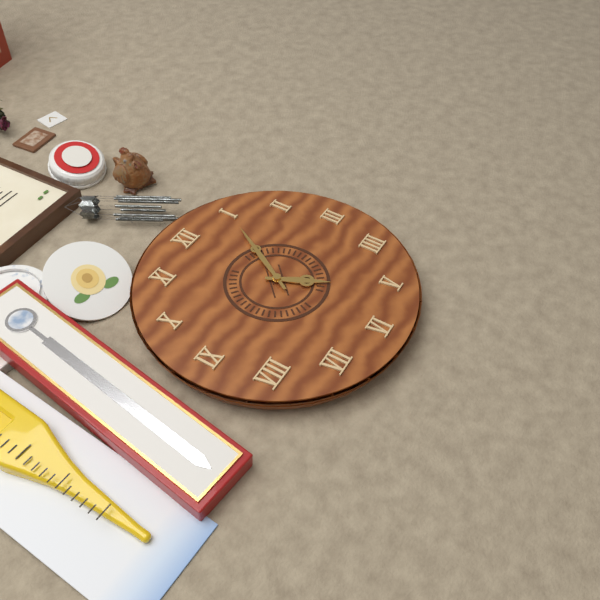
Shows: 5:05
